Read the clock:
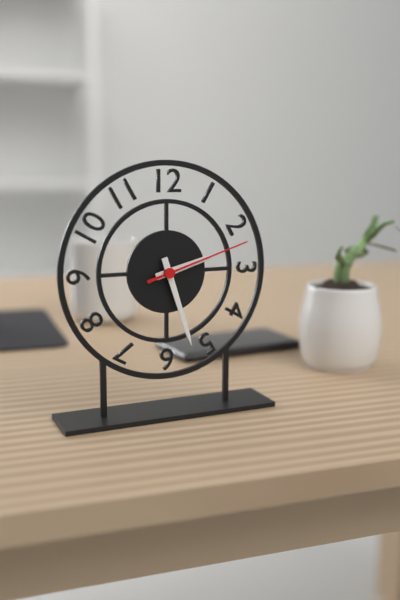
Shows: 2:27:12
